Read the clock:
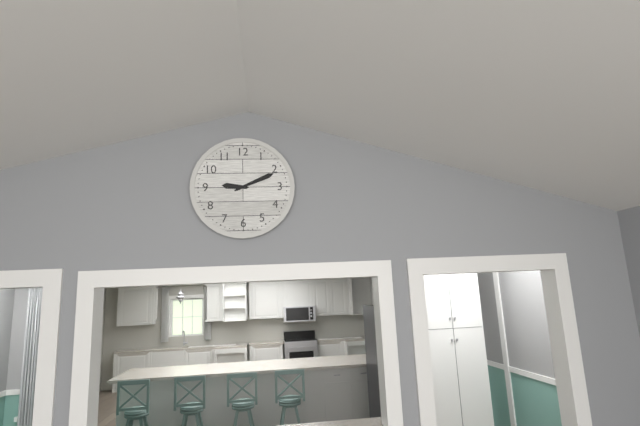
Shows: 9:11
